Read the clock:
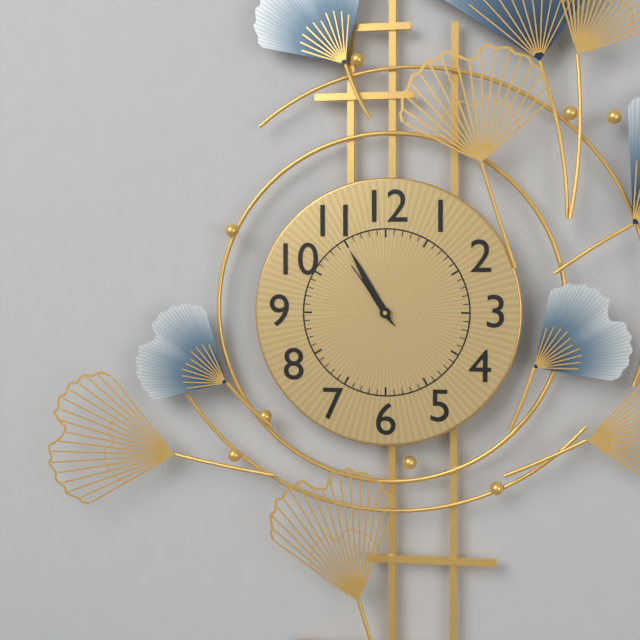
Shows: 10:55:54
